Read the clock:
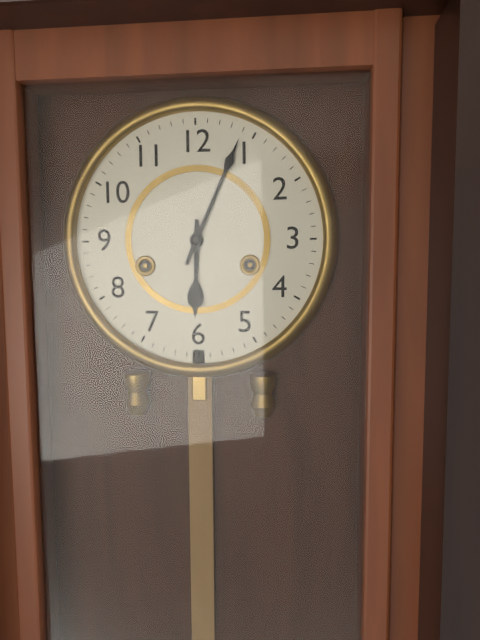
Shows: 6:04
